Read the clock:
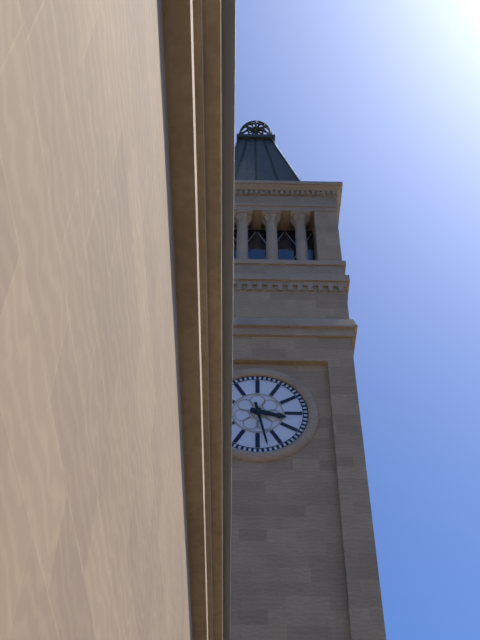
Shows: 3:28
